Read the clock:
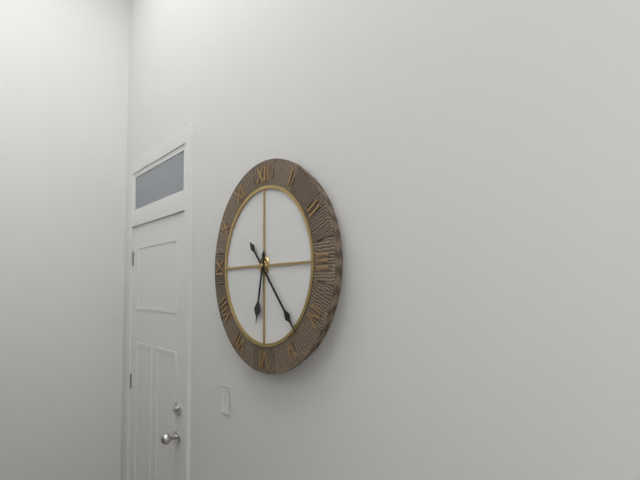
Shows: 6:23
